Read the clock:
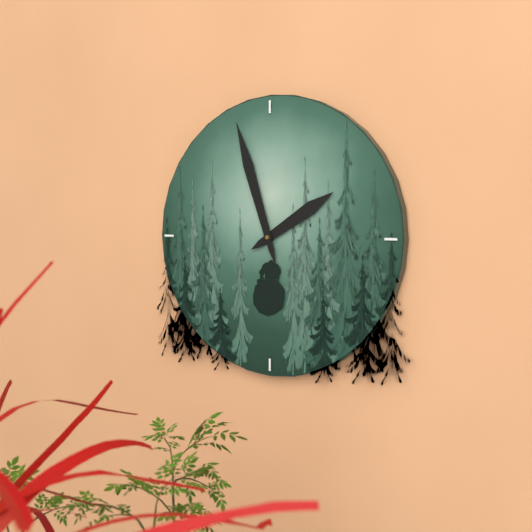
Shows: 1:57
